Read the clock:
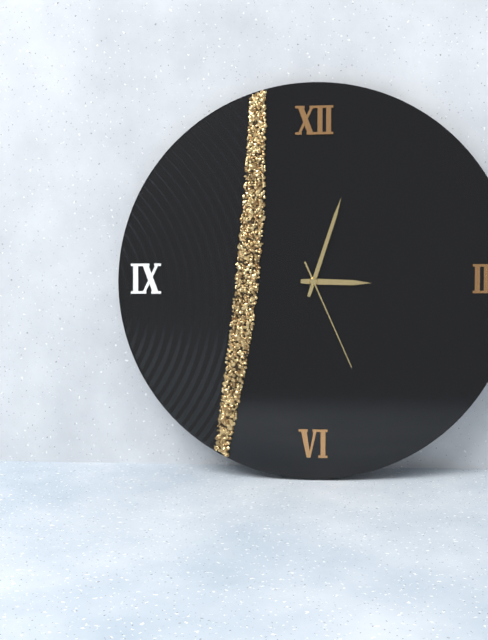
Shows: 3:03:26
